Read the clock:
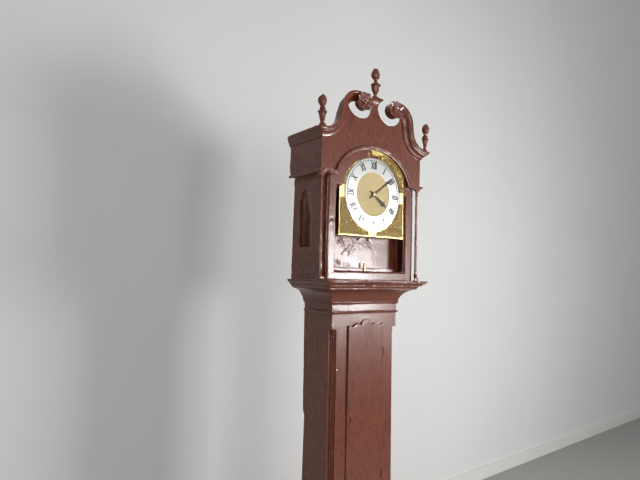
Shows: 4:09
